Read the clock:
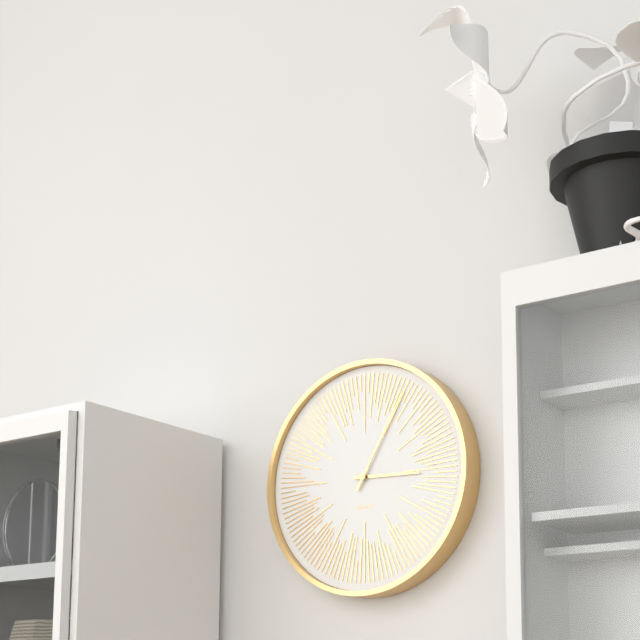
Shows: 3:05
